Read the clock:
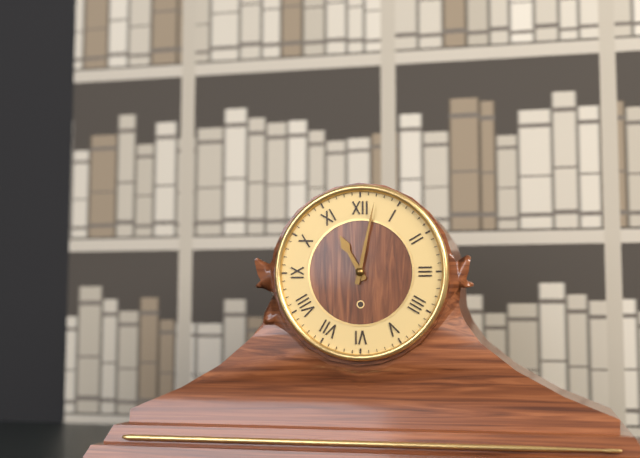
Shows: 11:02
